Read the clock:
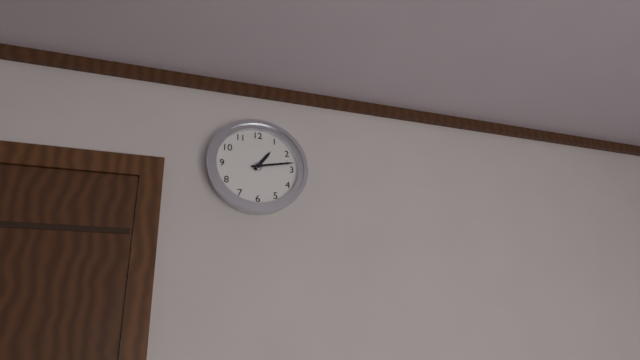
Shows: 1:13
